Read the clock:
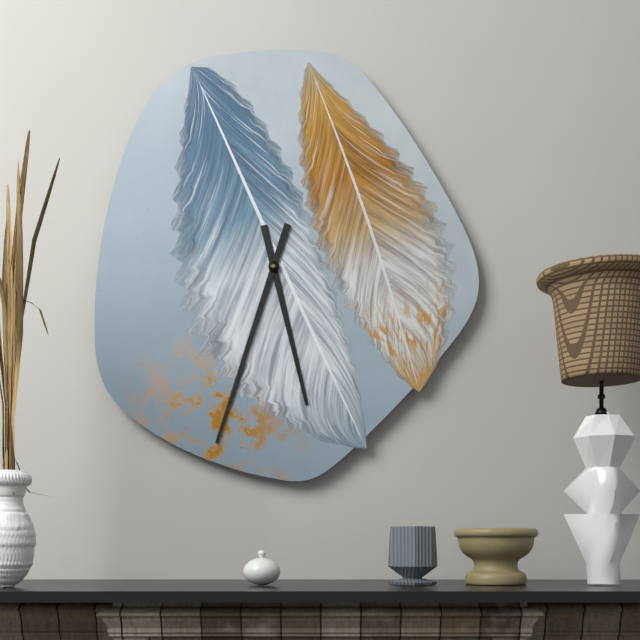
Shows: 5:33
